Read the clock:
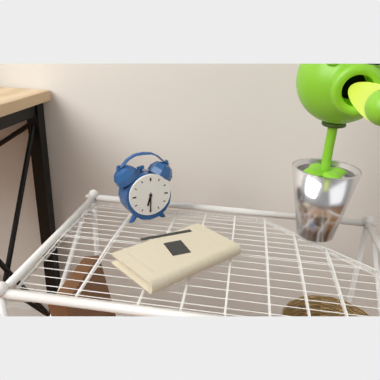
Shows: 6:30
